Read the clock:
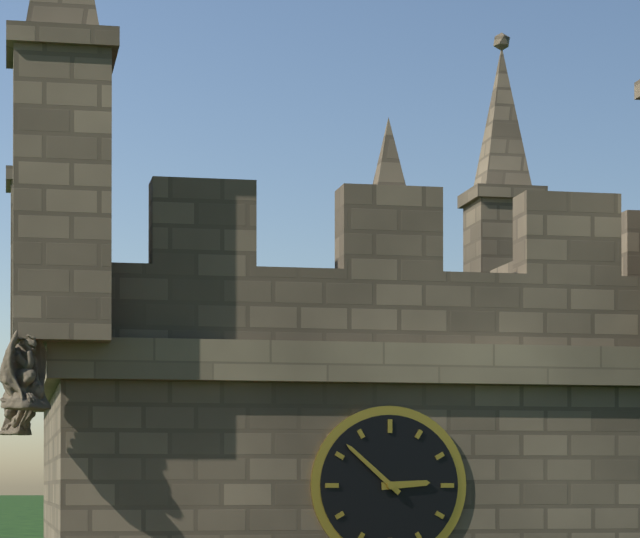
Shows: 2:52
